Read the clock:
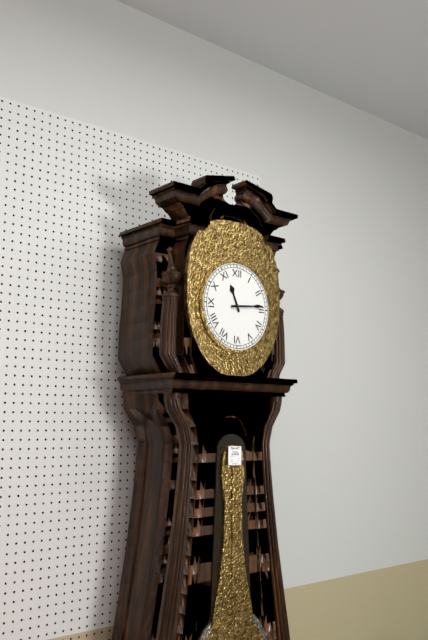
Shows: 11:14
